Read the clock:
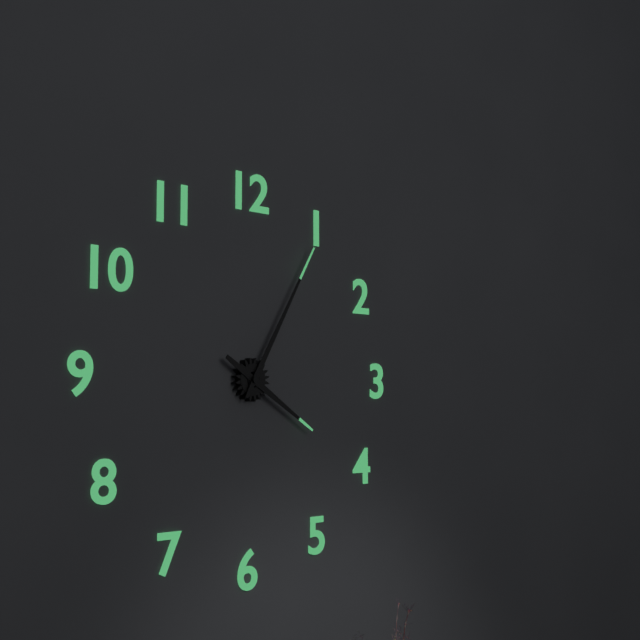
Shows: 4:05
